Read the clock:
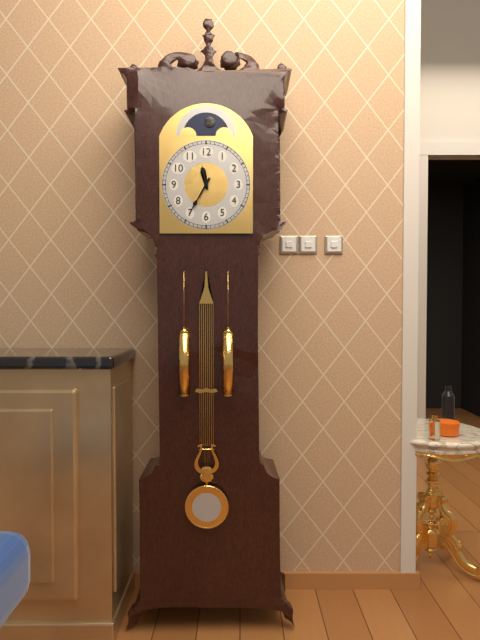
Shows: 11:35
